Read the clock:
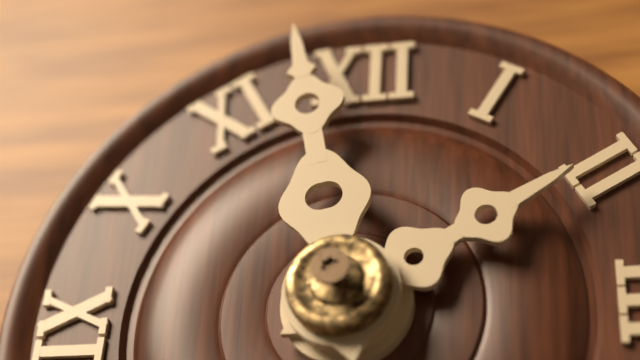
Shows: 1:58
